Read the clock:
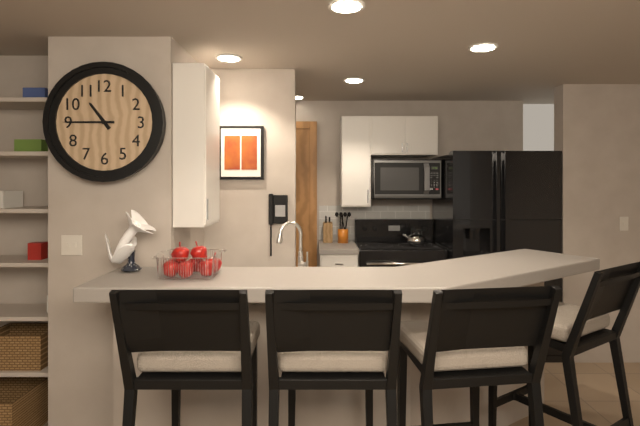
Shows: 10:45
